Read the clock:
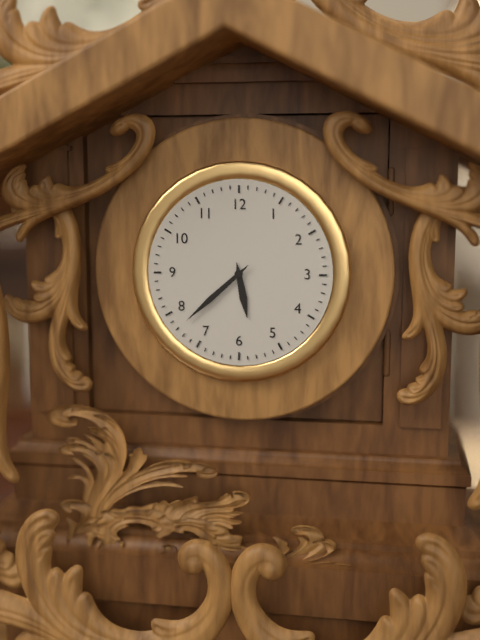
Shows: 5:38
